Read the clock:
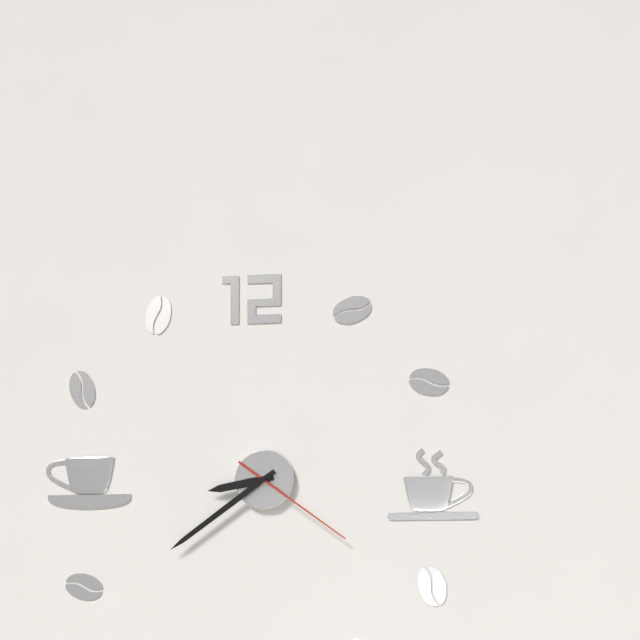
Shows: 8:39:21
